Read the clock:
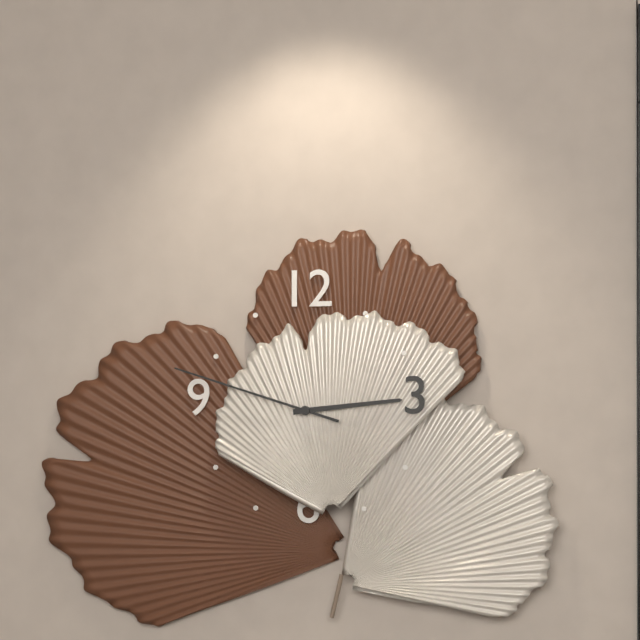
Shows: 2:48
